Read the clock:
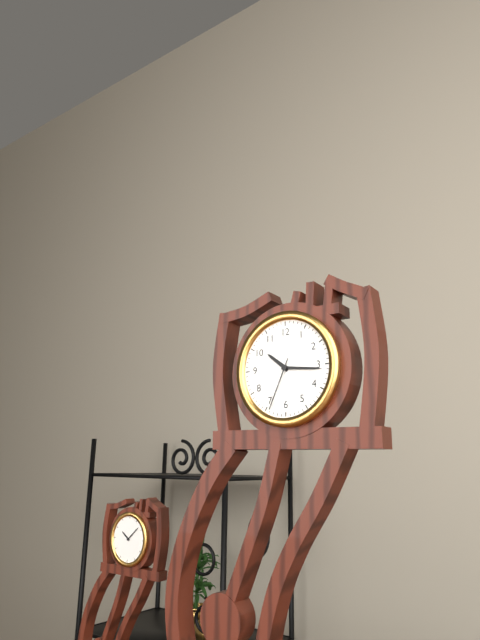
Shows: 10:16:34
